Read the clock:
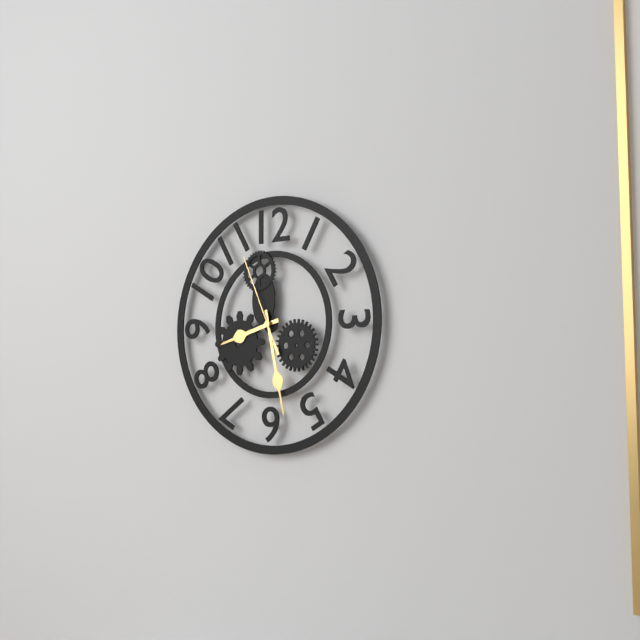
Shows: 8:28:56
